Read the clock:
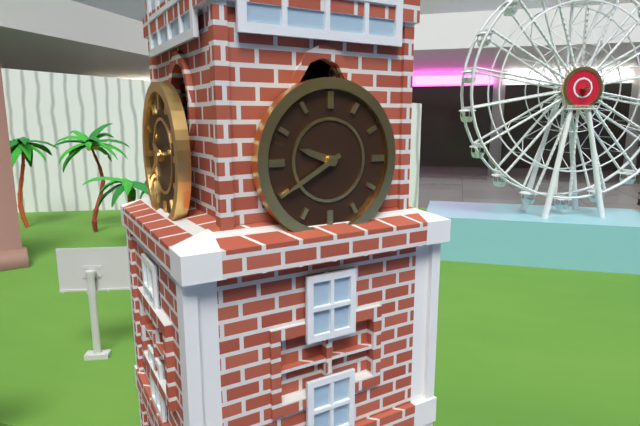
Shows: 9:40
